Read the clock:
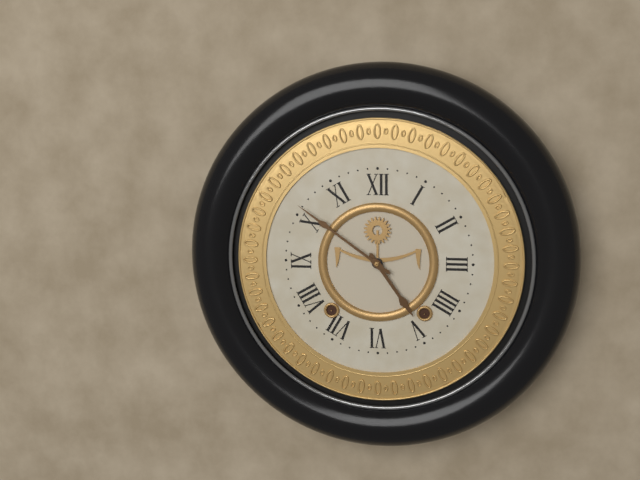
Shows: 4:51
